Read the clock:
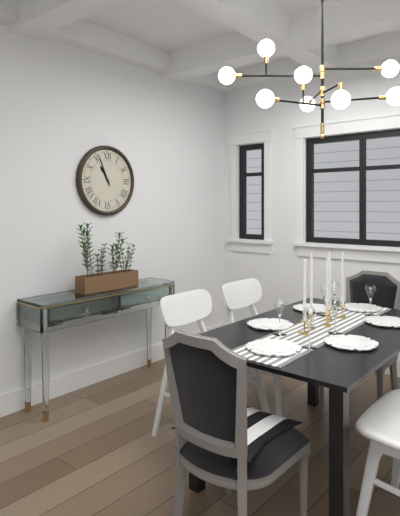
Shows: 10:56
